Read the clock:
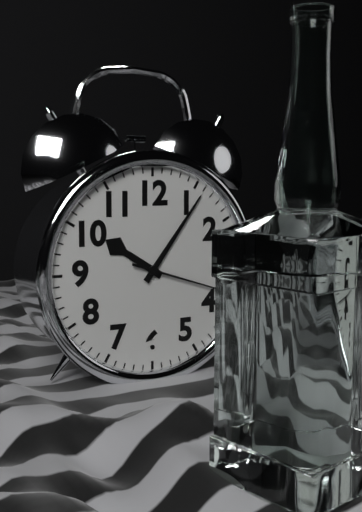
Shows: 10:06:18
